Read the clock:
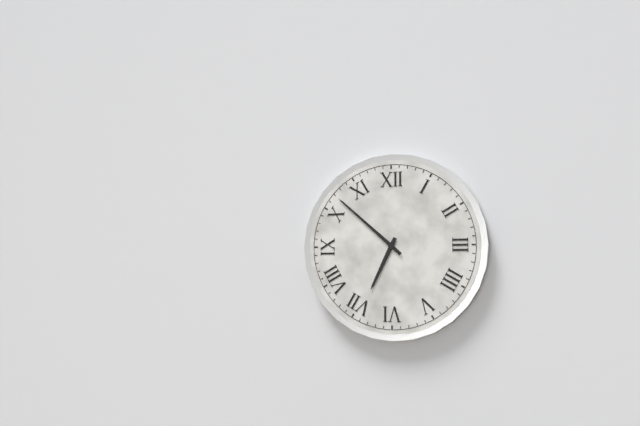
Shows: 6:52
